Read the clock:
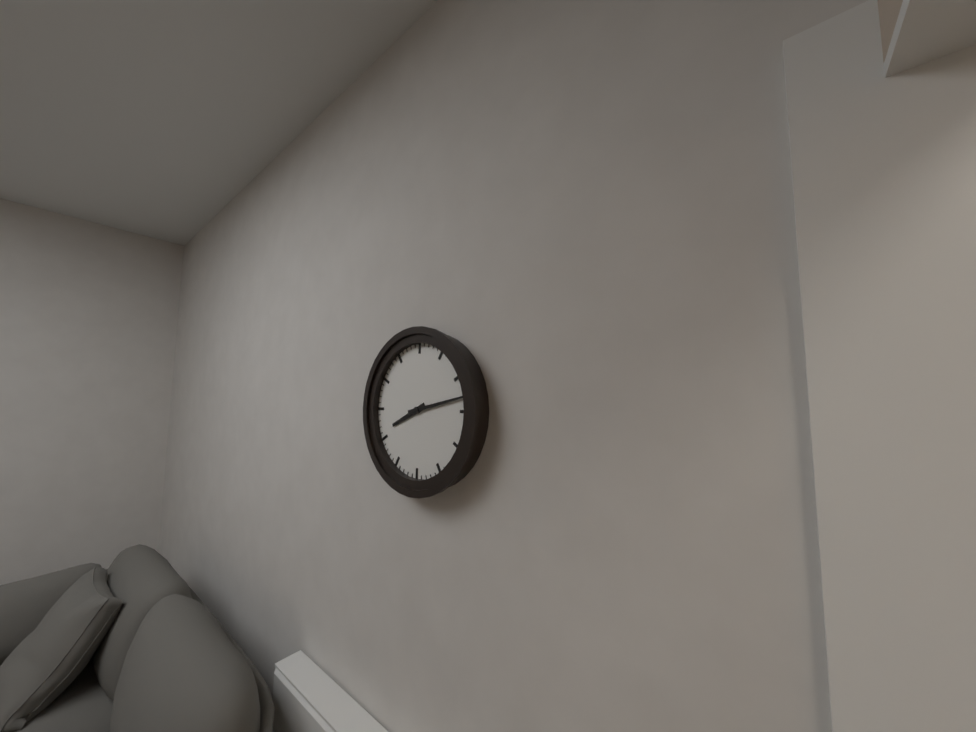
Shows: 8:13
